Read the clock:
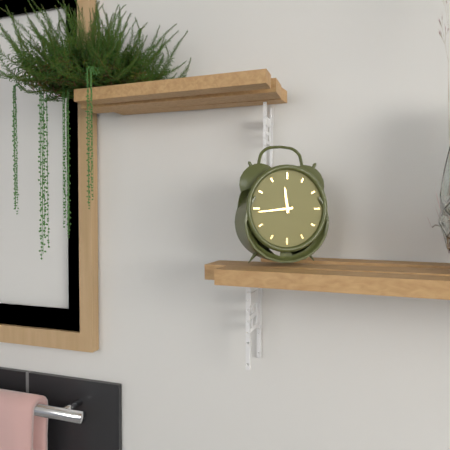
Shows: 11:44
